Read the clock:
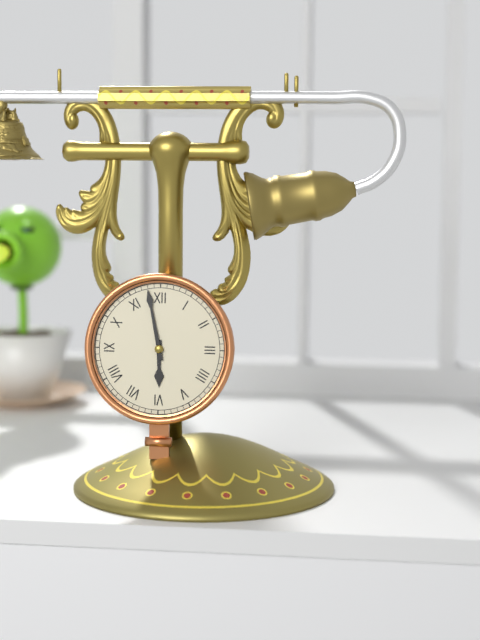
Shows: 5:58
